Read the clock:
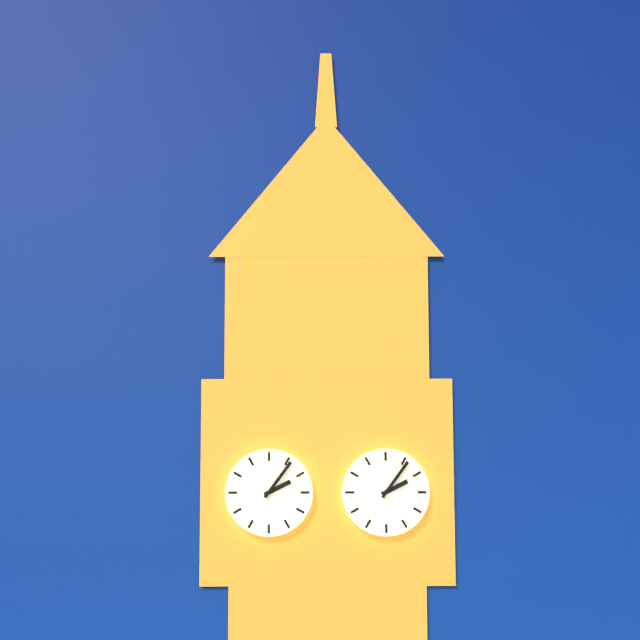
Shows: 2:06
